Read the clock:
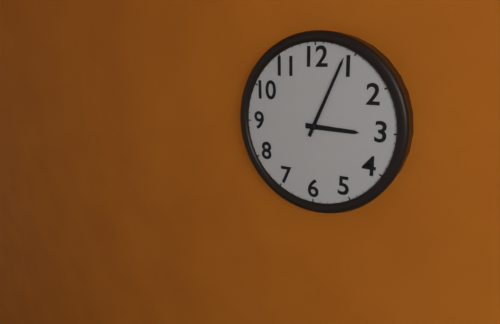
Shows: 3:04
